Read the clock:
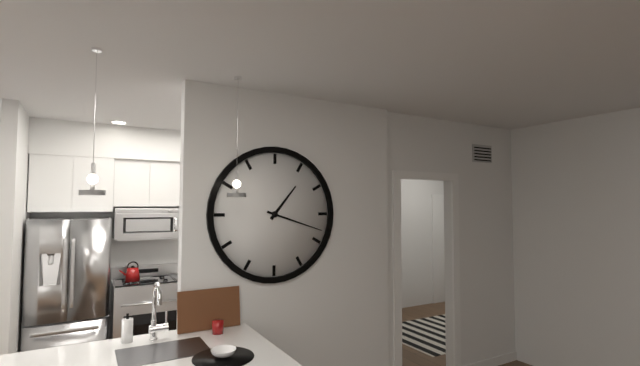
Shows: 1:18
